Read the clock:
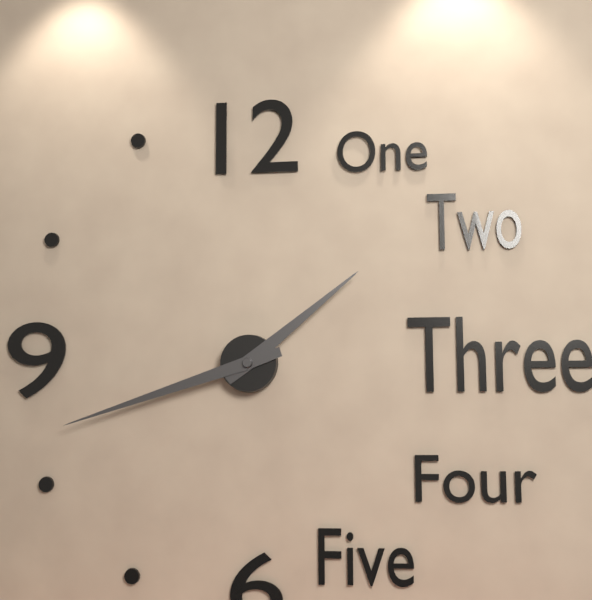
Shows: 1:42
